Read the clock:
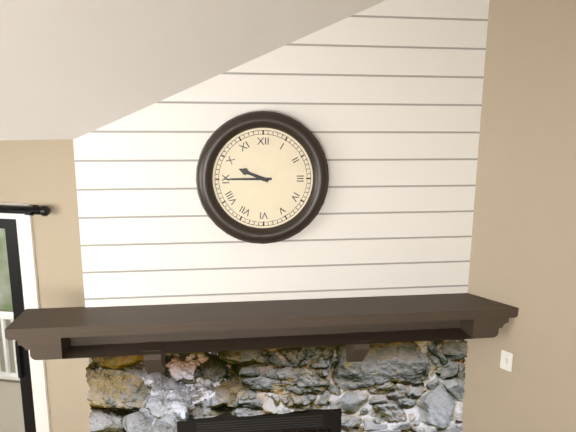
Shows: 9:45
